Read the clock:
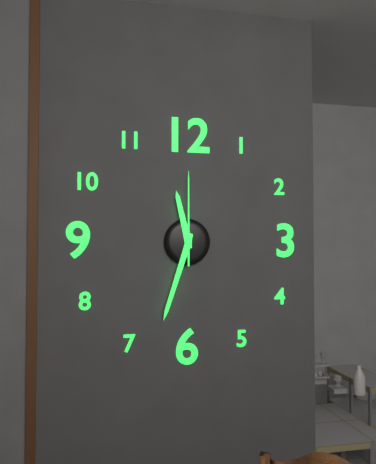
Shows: 11:33:00
